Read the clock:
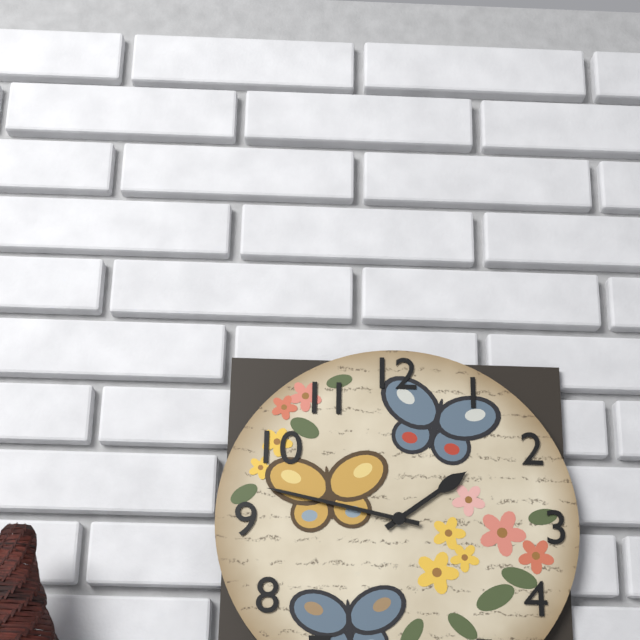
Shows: 1:47
